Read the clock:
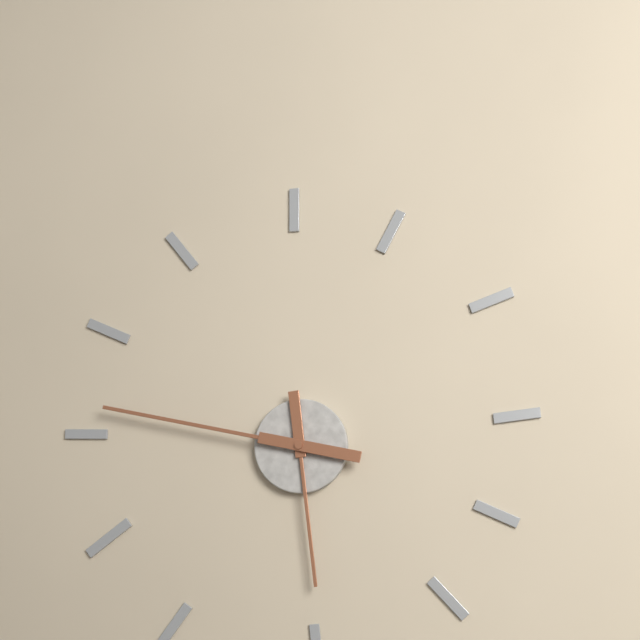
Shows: 5:47
